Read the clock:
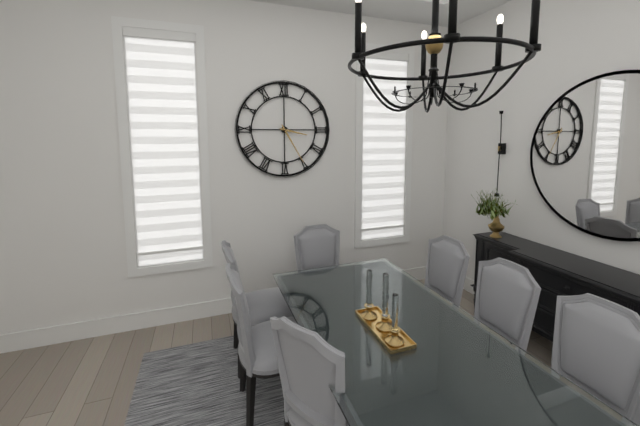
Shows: 3:25
